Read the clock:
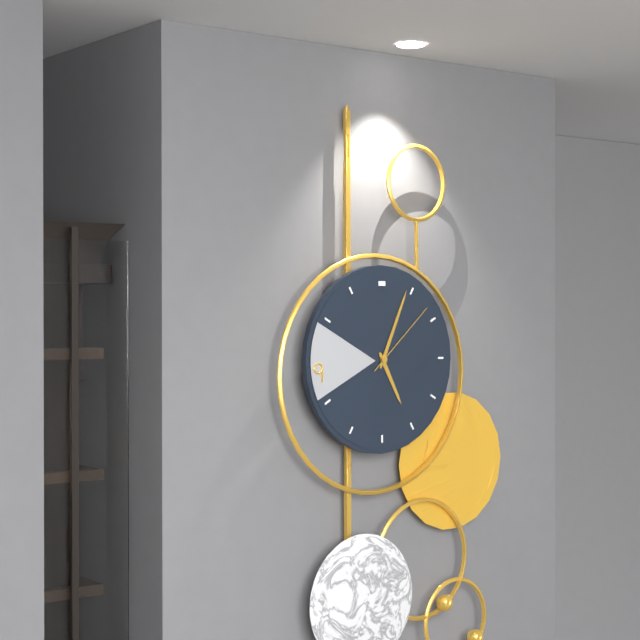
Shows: 5:04:08
